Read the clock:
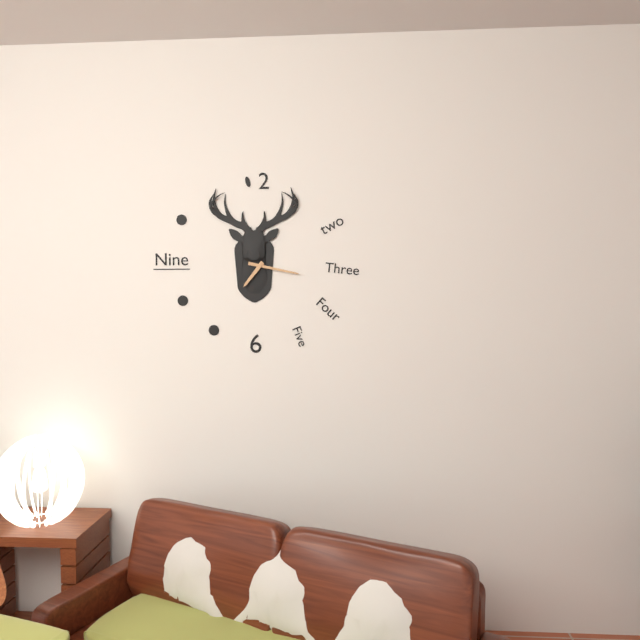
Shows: 7:17
